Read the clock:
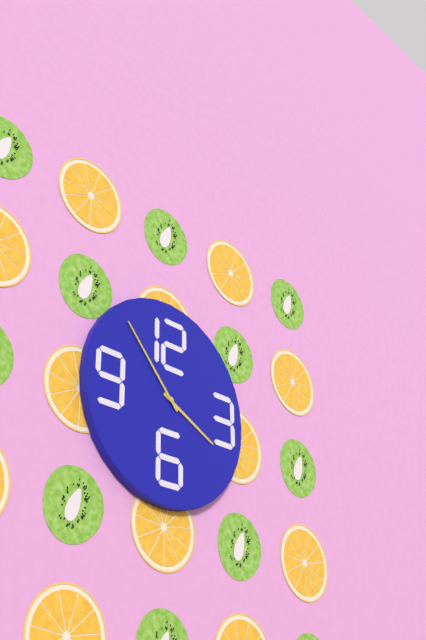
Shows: 3:53
